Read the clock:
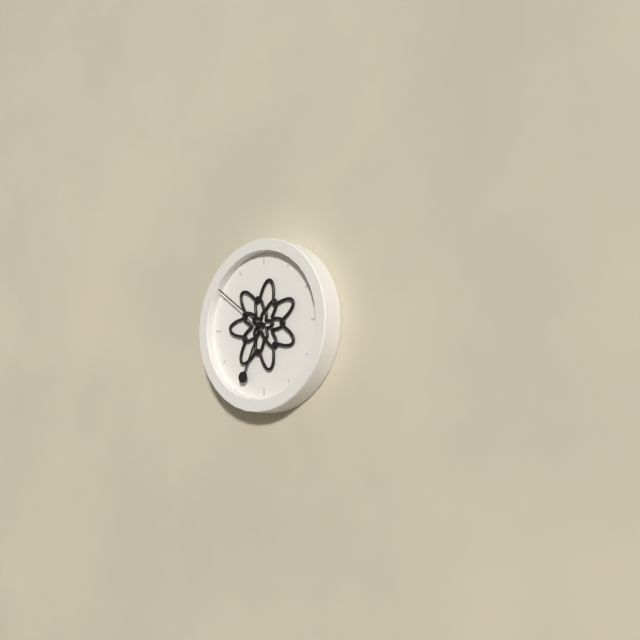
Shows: 6:51
